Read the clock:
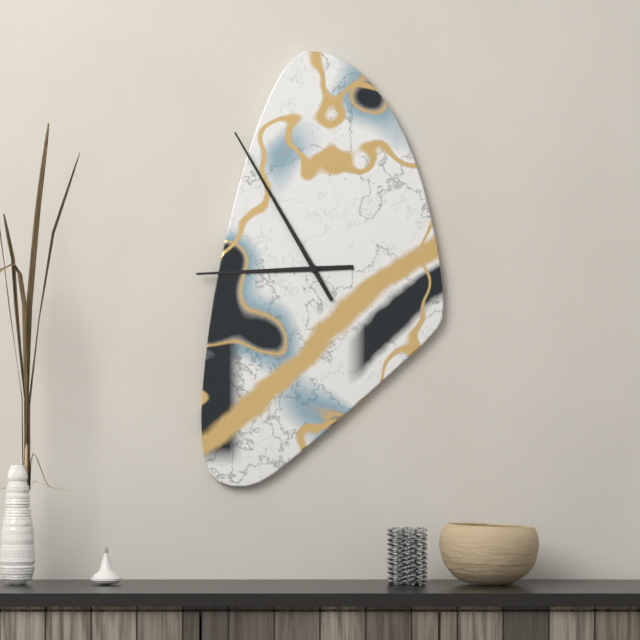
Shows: 8:55
